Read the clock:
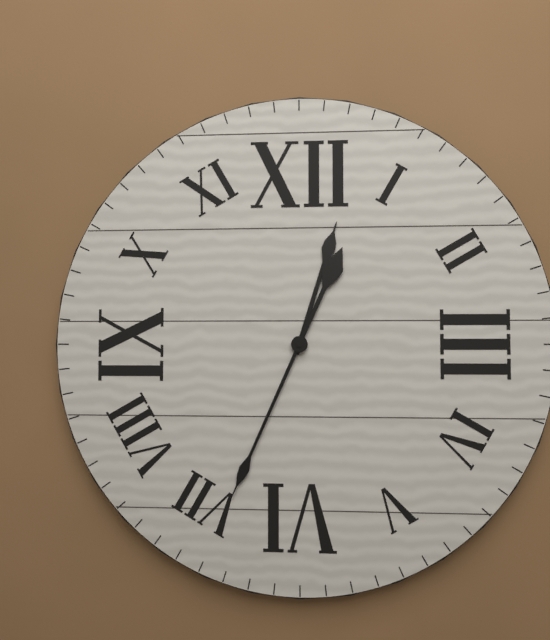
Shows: 12:34
